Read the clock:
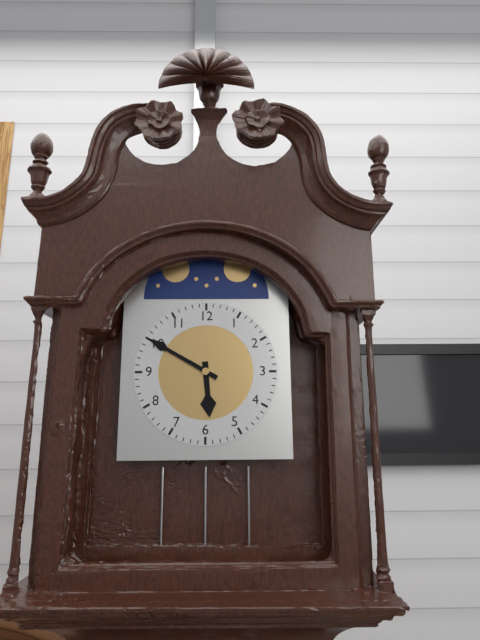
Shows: 5:50
